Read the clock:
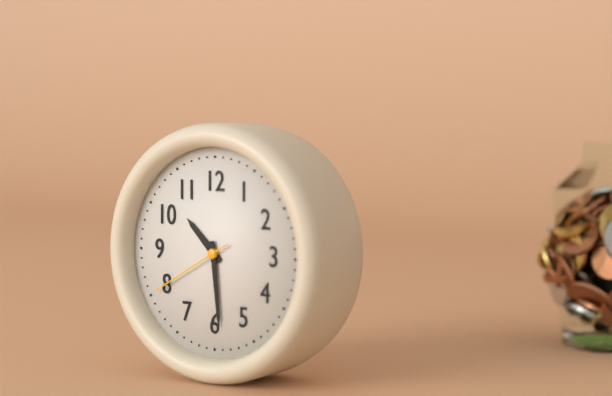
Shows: 10:29:40
